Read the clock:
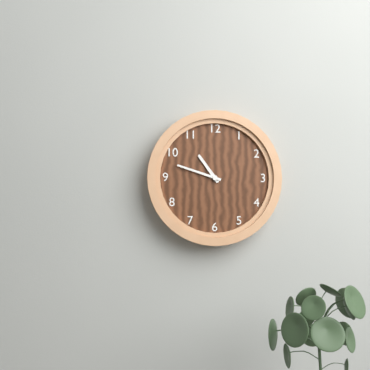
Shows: 10:48
